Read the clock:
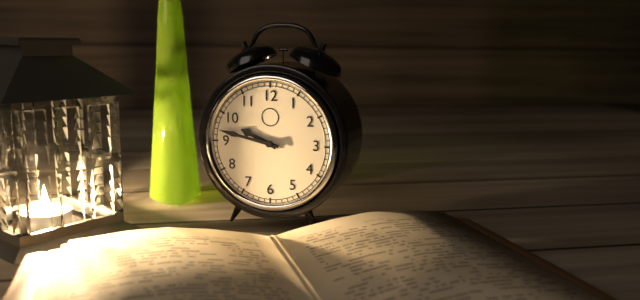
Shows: 9:47
